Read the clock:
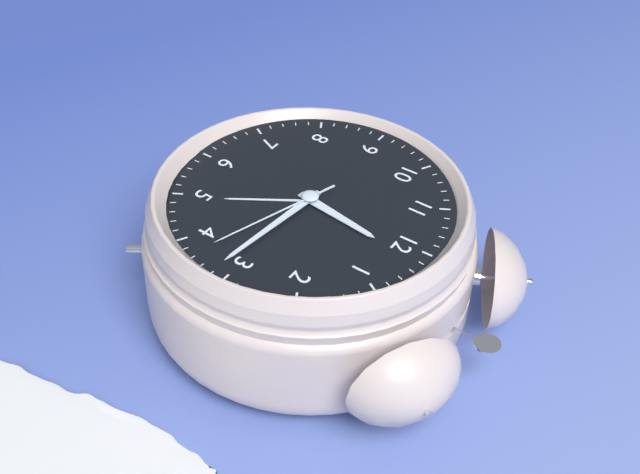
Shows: 12:16:18
